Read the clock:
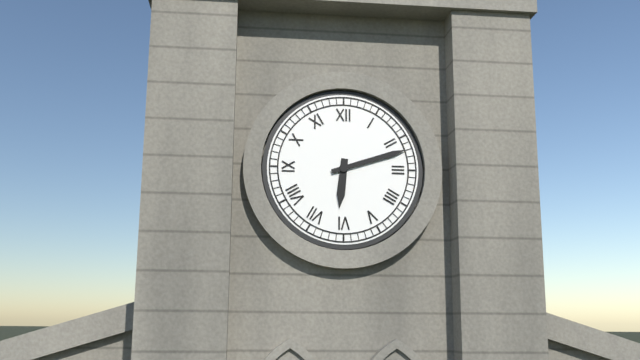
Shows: 6:12
